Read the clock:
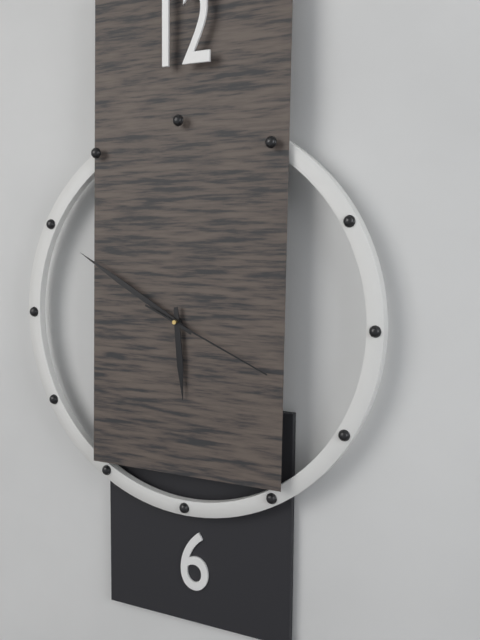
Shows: 5:50:19
